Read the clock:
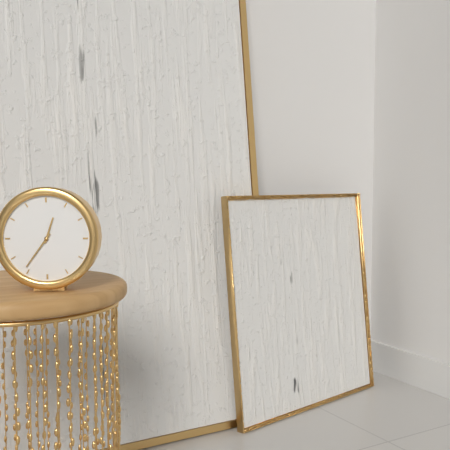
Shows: 12:36
